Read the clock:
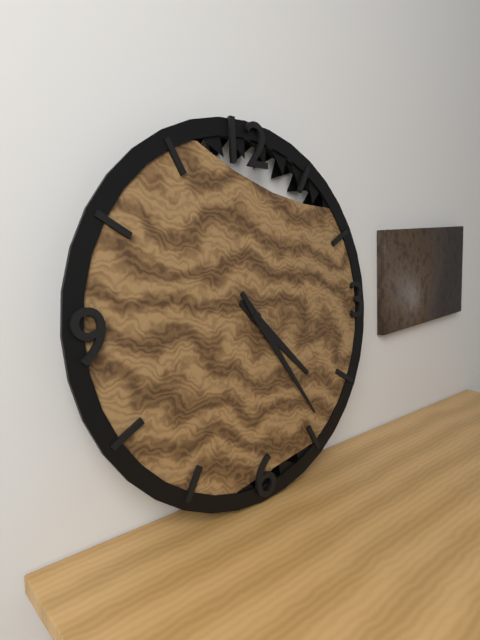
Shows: 4:24
